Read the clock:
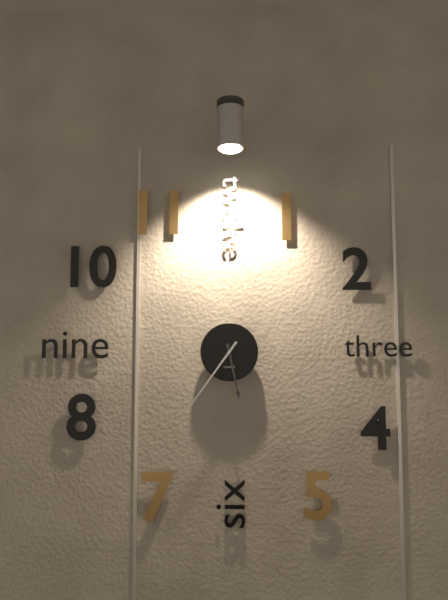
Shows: 5:36
